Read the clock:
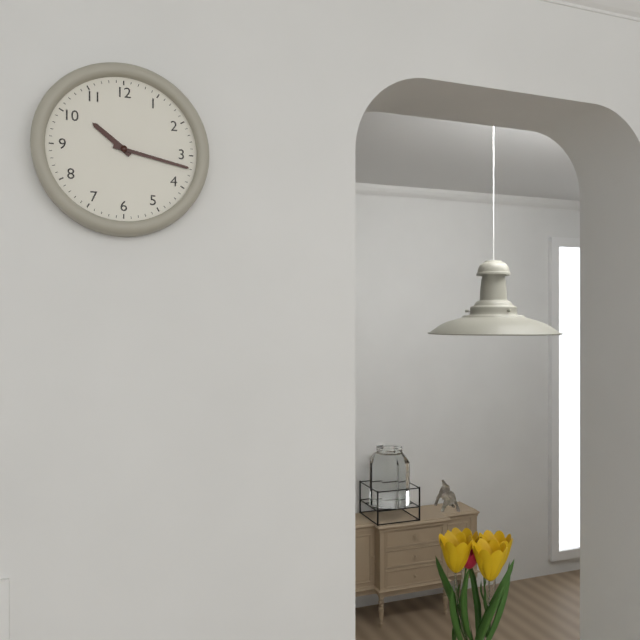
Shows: 10:17
